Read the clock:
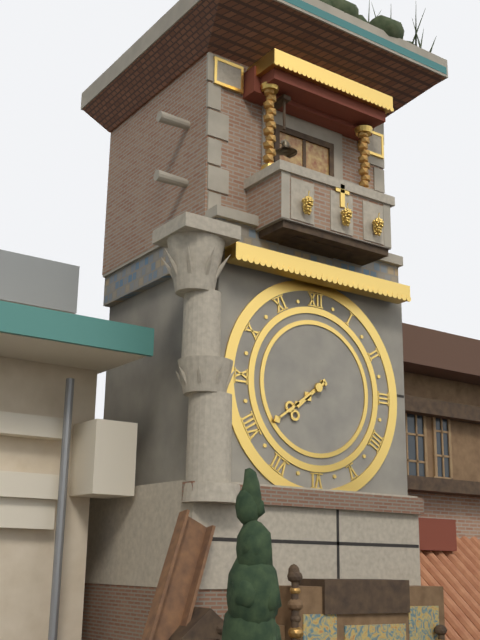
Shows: 7:39
